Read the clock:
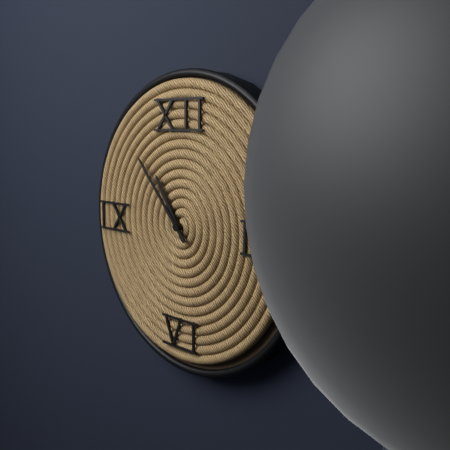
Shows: 10:53
